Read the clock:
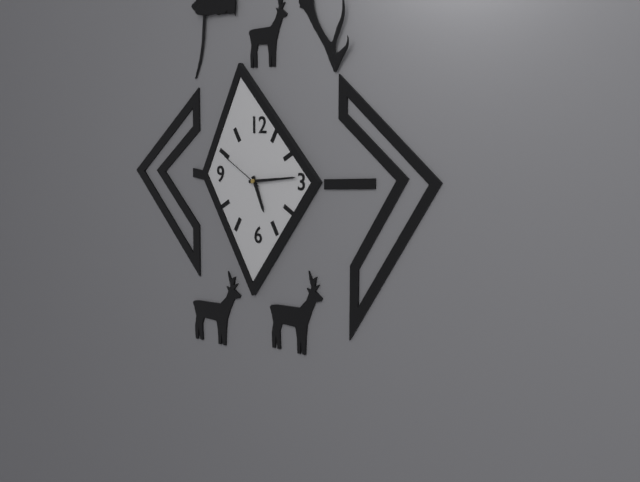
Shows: 5:14:50
